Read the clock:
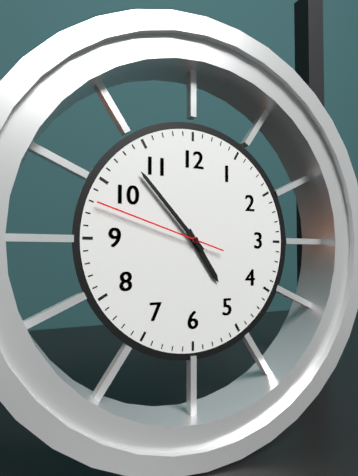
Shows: 4:53:48
